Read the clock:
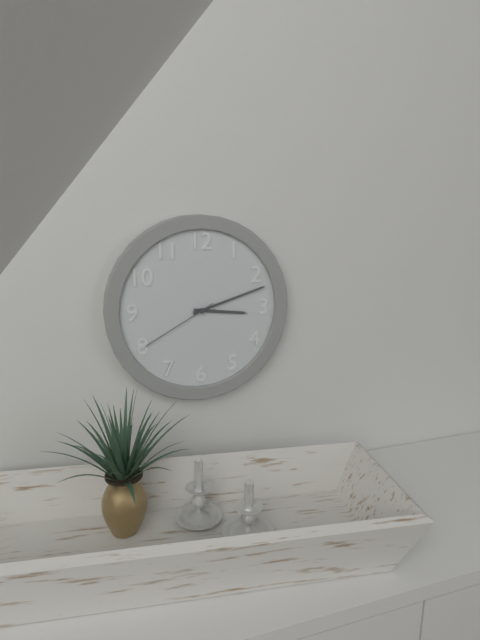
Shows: 3:12:40
